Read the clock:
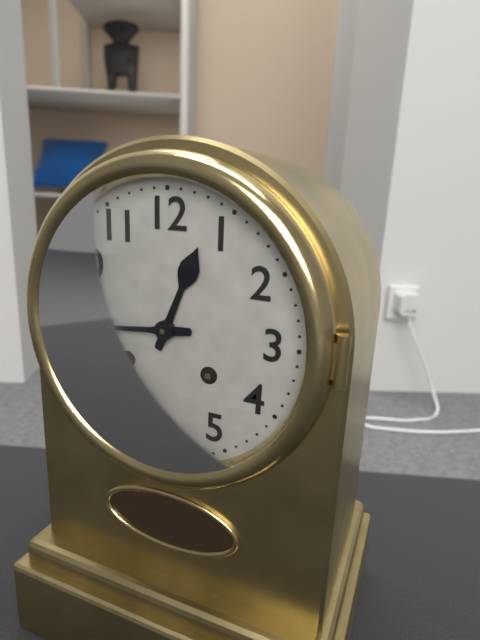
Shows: 12:44
